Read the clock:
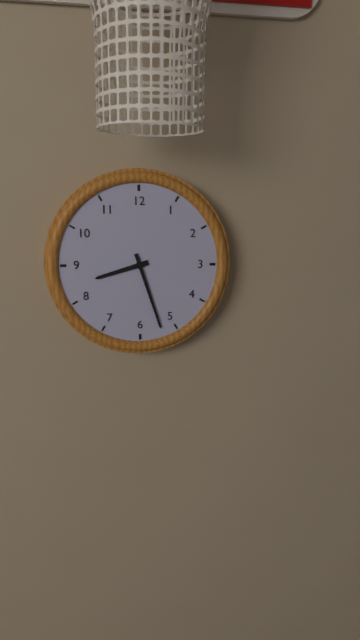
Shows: 8:27
